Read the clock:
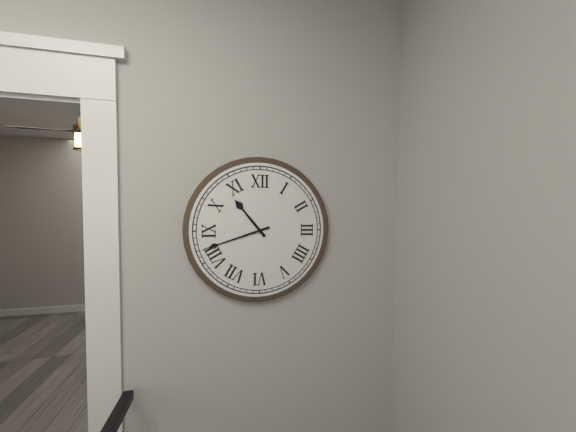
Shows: 10:42
